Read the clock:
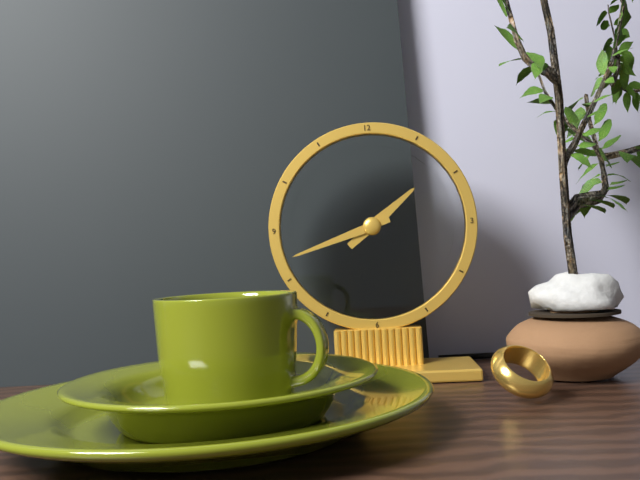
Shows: 1:42
